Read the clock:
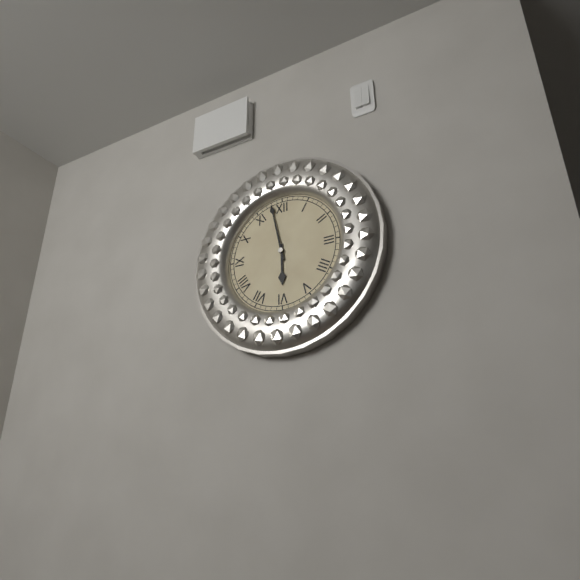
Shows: 5:58
